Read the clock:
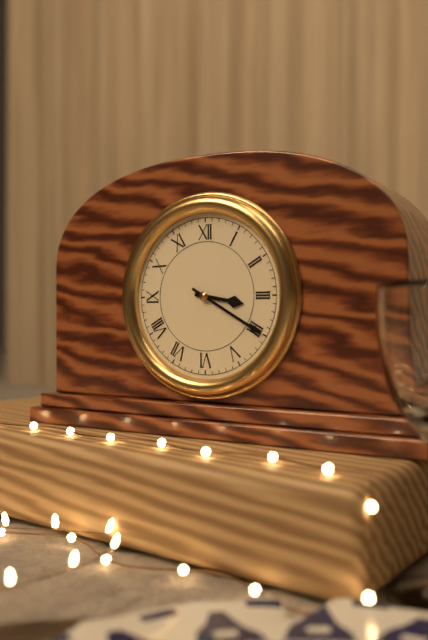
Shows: 3:20
